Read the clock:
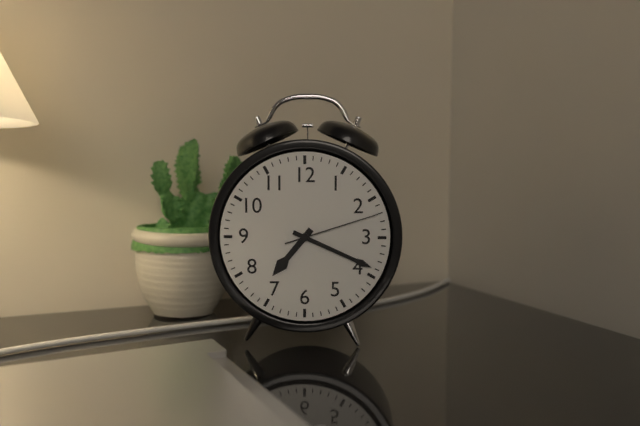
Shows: 7:19:12
